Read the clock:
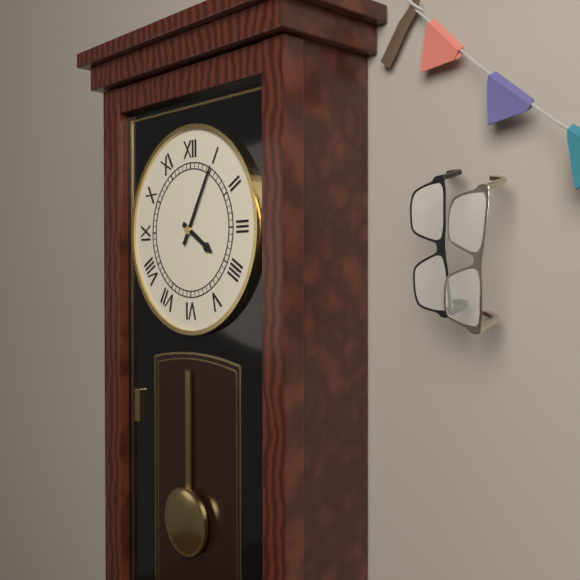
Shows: 4:05
